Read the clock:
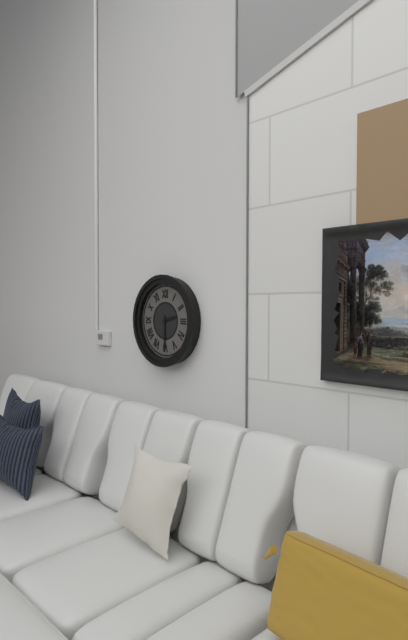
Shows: 2:30
